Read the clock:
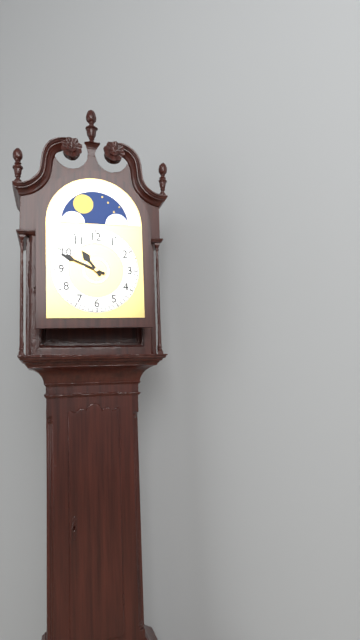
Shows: 10:49
